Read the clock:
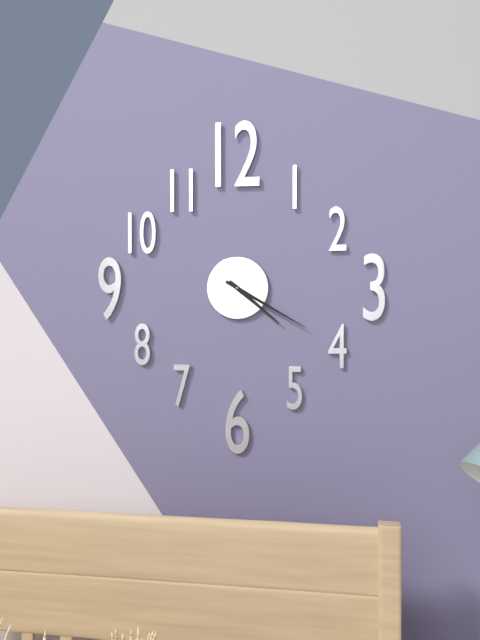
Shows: 4:20
